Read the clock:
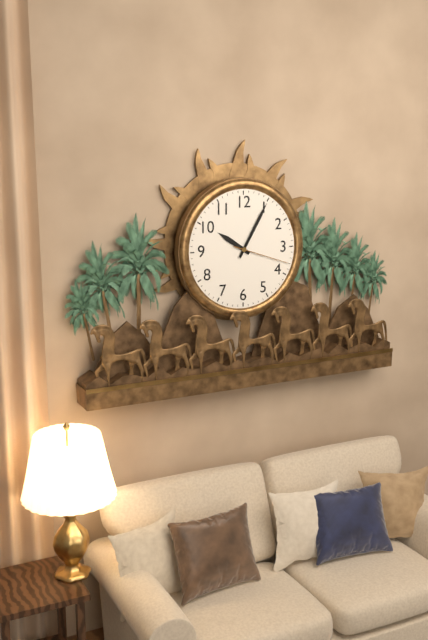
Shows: 10:05:18
